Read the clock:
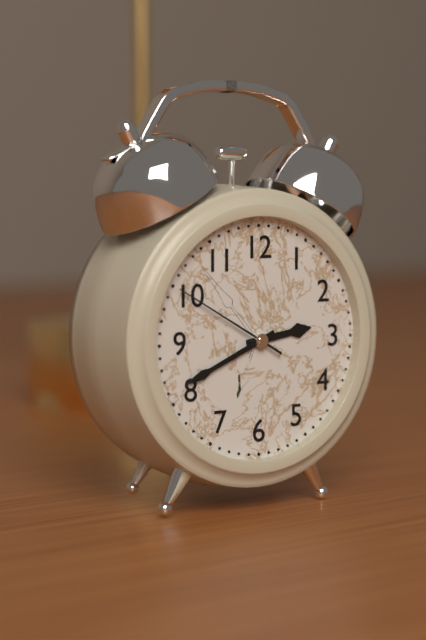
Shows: 2:41:50
